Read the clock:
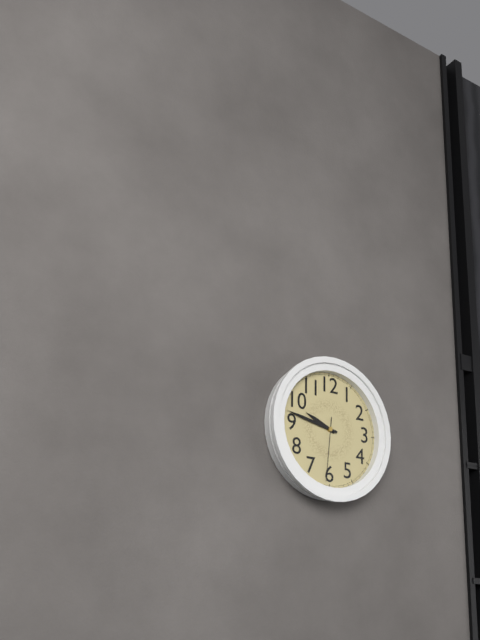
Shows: 9:47:31
